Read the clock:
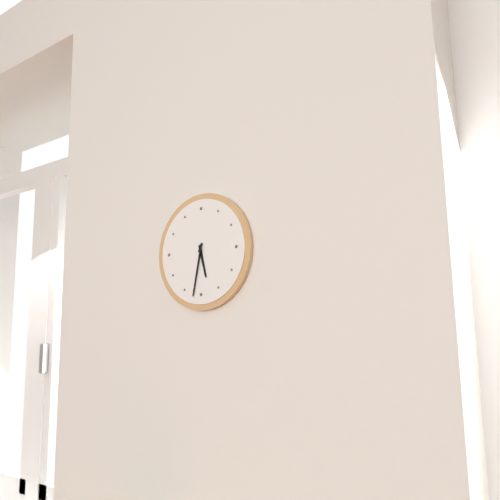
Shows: 5:32
